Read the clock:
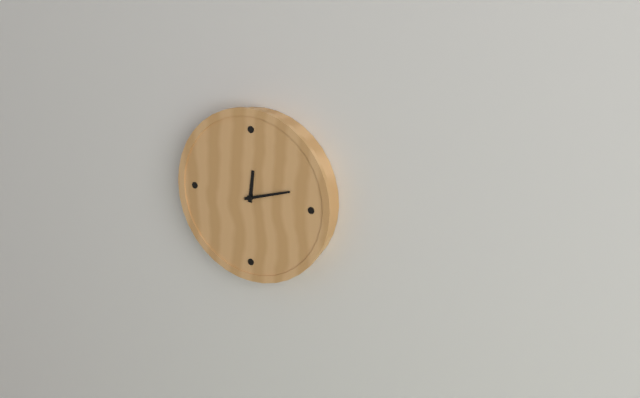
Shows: 12:12
